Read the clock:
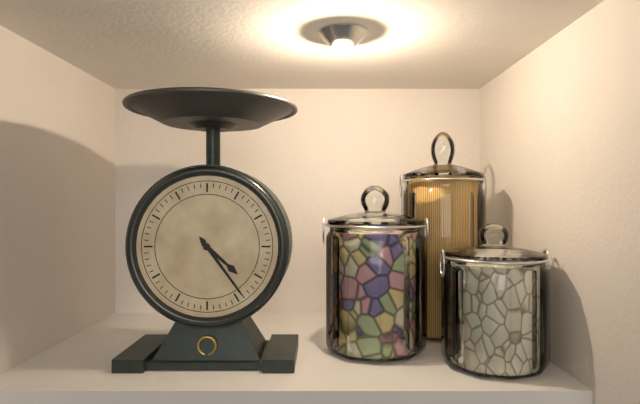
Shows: 4:24
